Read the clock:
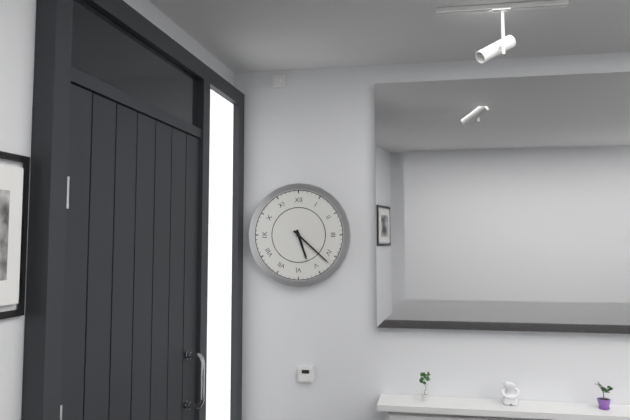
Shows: 5:22
